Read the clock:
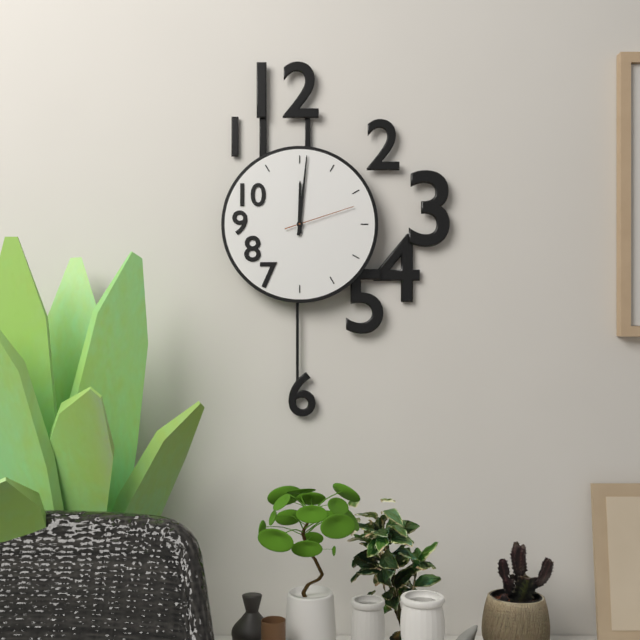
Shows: 12:01:12
